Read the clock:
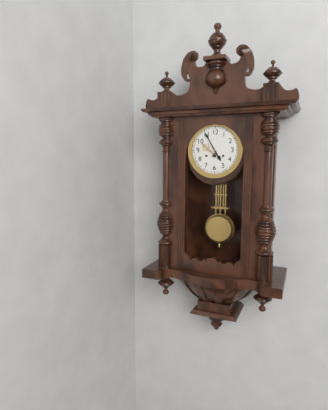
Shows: 4:55
